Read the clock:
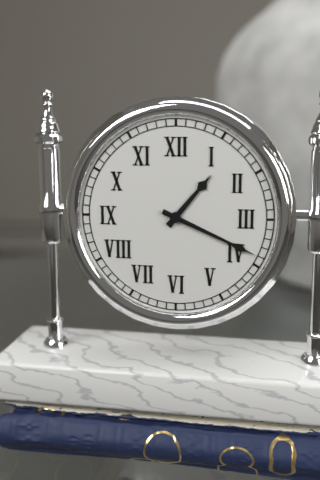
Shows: 1:19
